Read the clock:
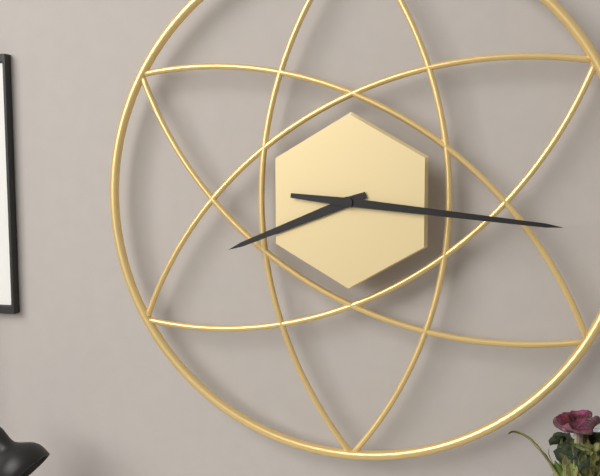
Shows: 8:16
